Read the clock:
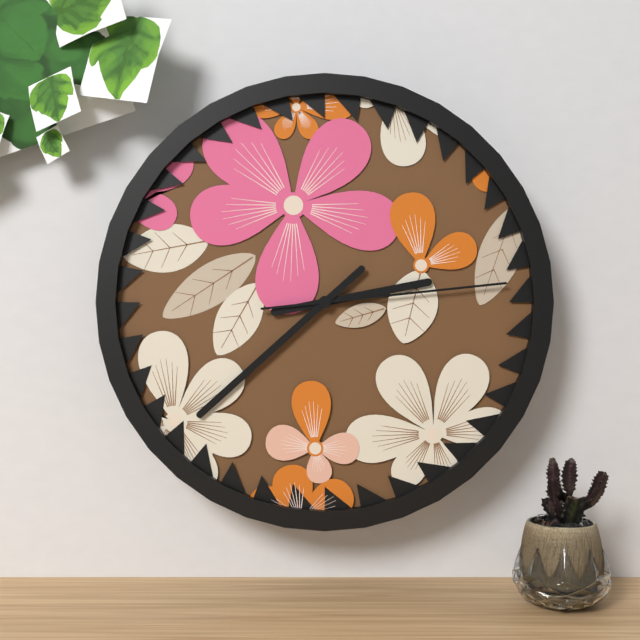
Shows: 2:38:14
